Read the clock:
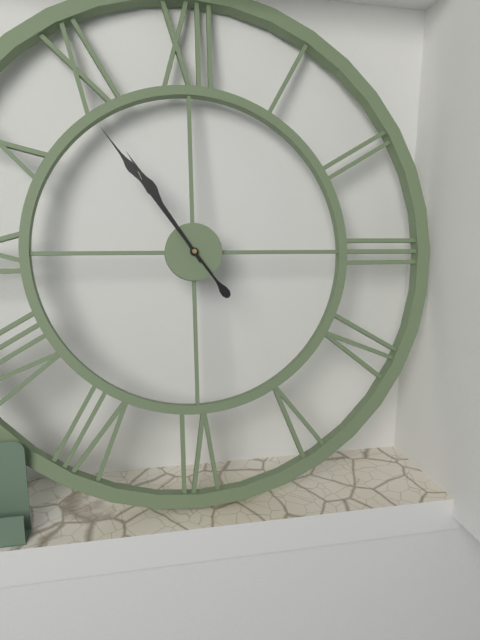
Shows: 10:54
